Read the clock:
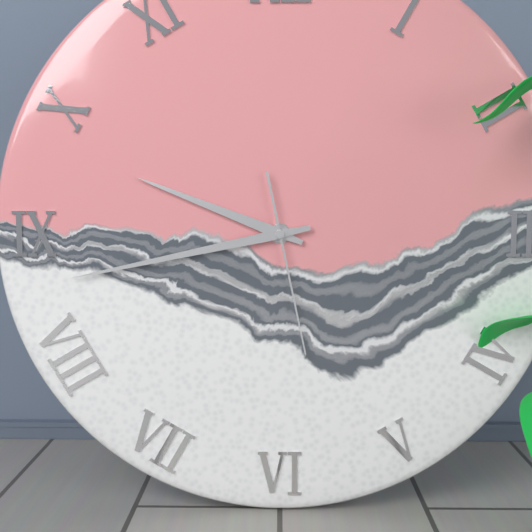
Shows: 9:43:28
